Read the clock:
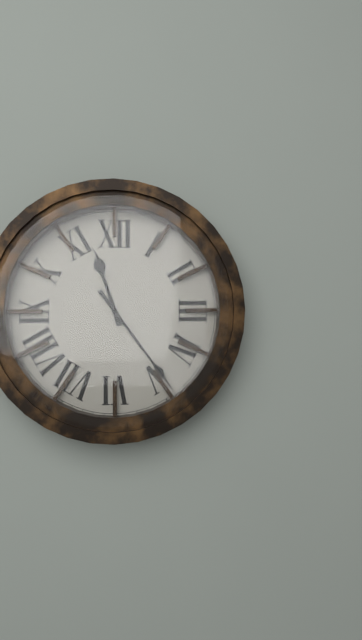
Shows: 11:24
